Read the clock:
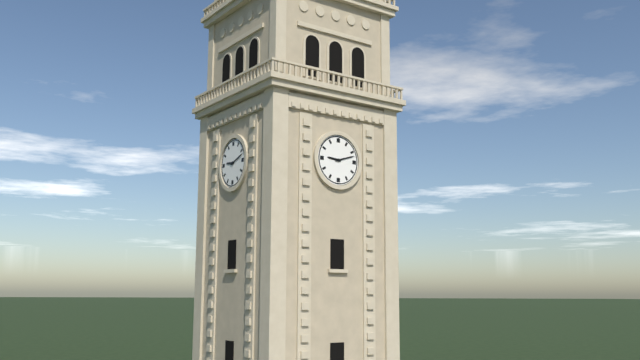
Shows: 9:12
